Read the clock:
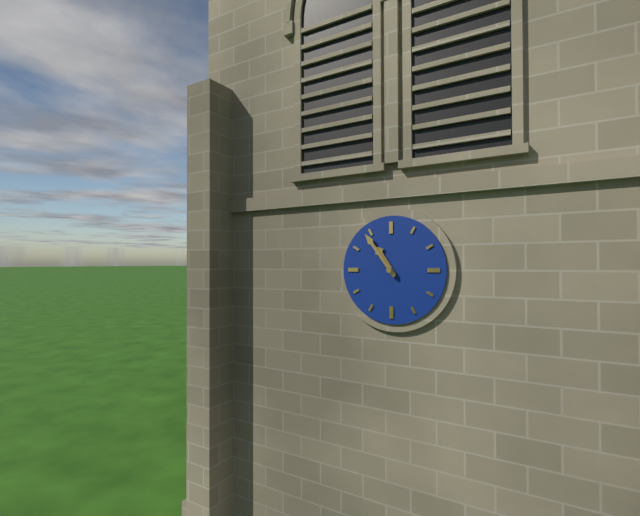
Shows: 10:54
